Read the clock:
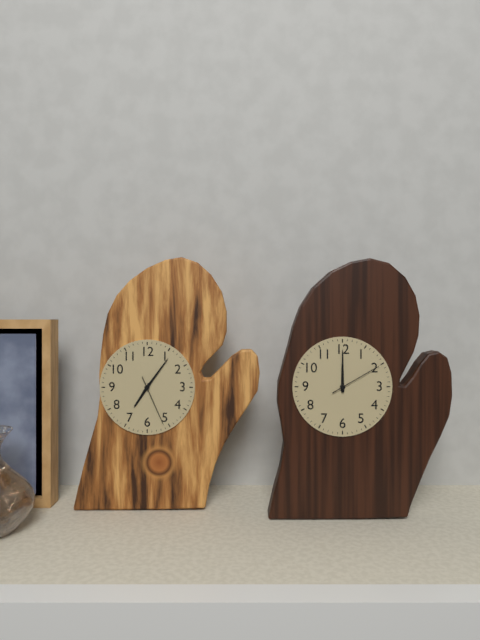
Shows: 7:06:26
